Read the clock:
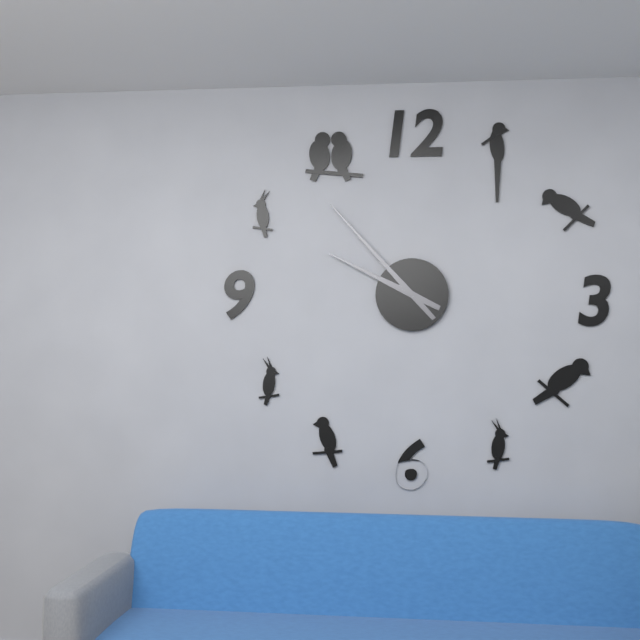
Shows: 9:53
